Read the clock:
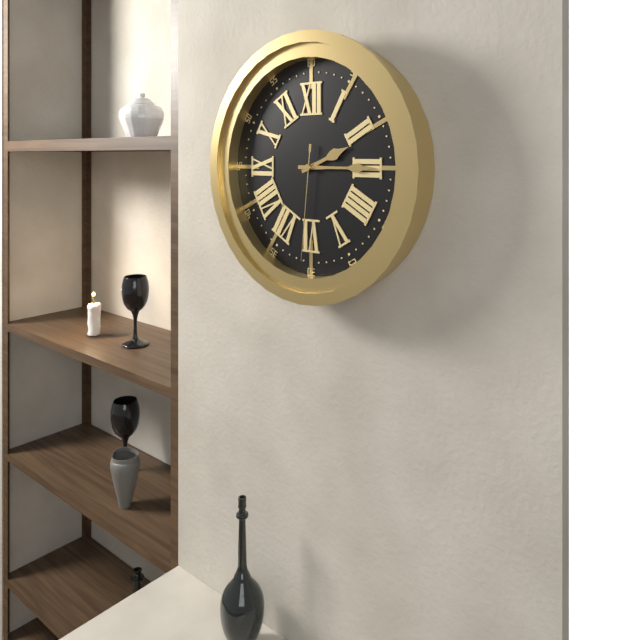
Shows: 2:15:31
